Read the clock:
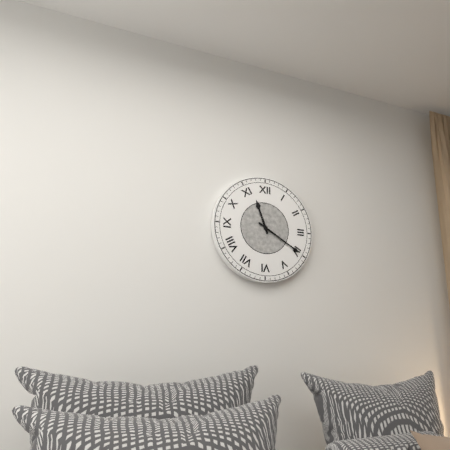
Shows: 11:20
